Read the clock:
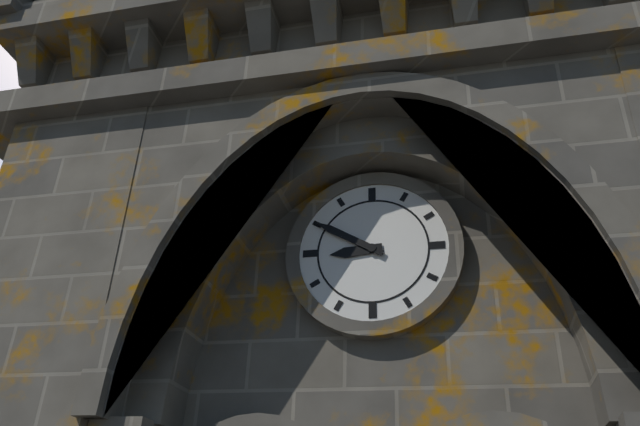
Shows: 8:50
